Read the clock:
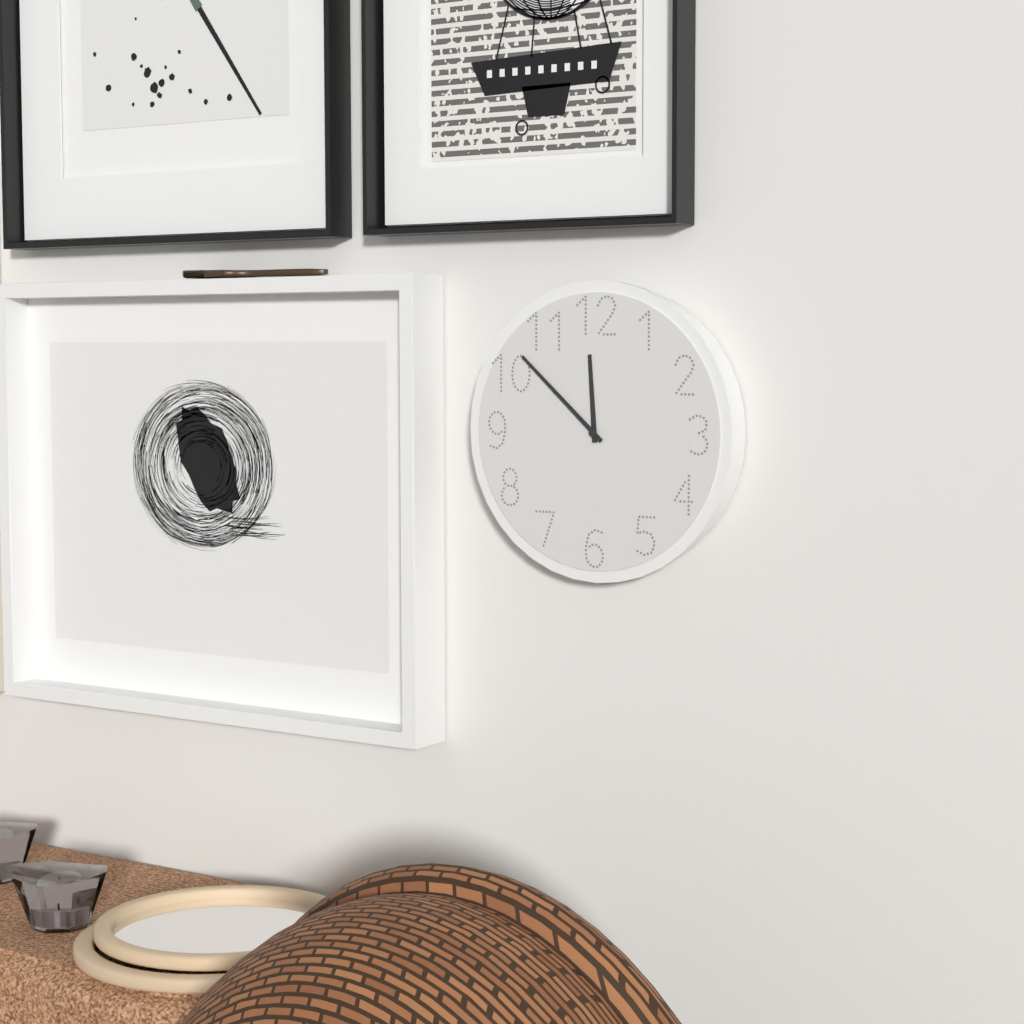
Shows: 11:52
